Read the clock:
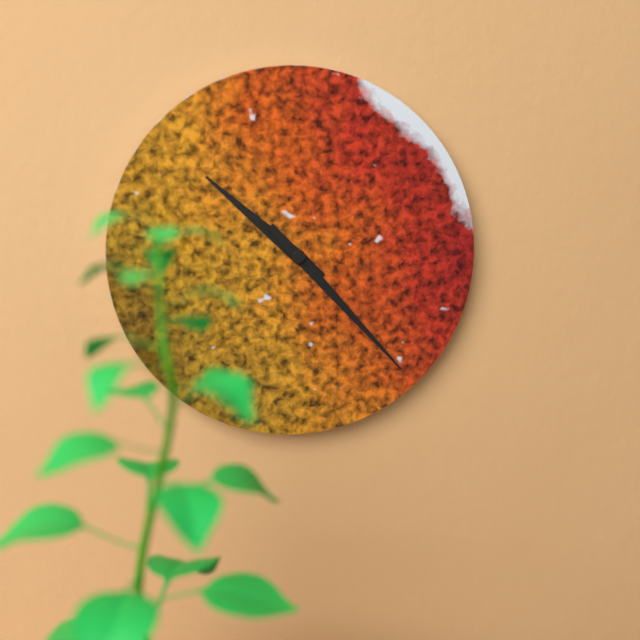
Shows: 10:23
